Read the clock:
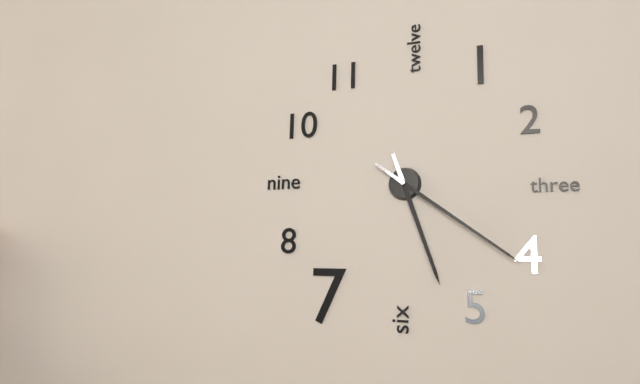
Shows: 5:21
